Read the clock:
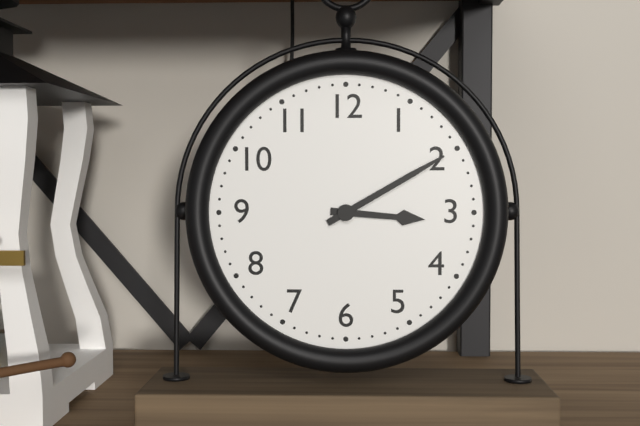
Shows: 3:10
